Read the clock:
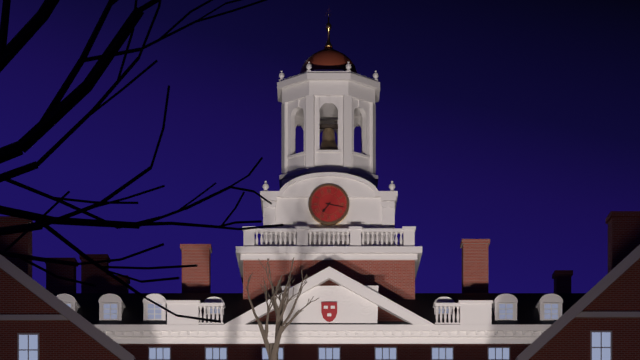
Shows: 7:17
